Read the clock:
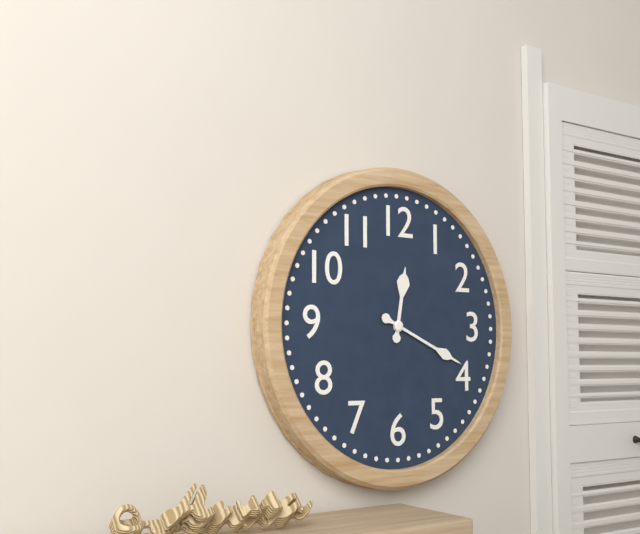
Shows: 12:19
